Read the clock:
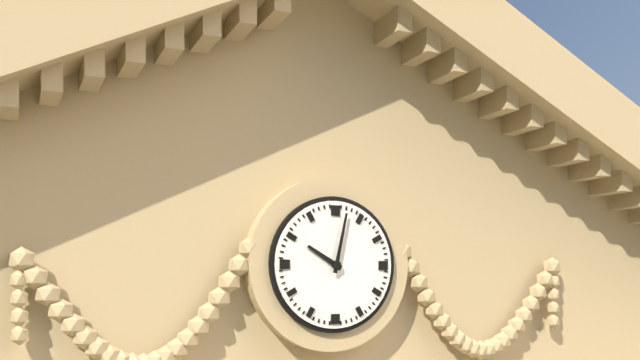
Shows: 10:02
